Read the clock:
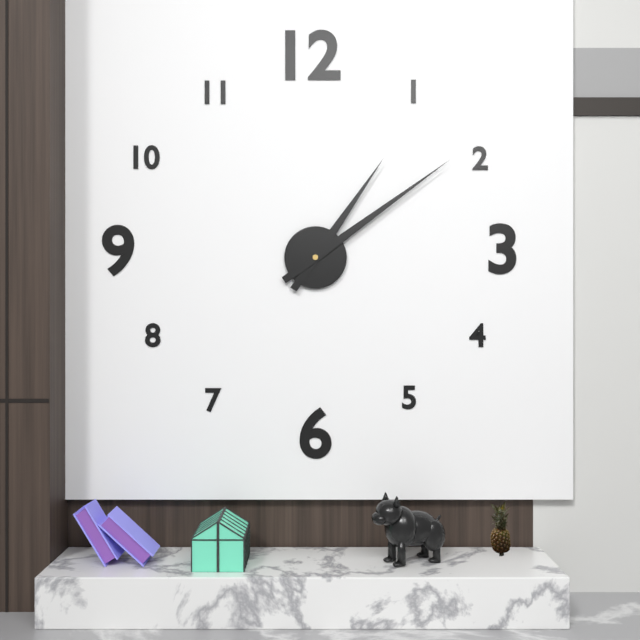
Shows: 1:09
